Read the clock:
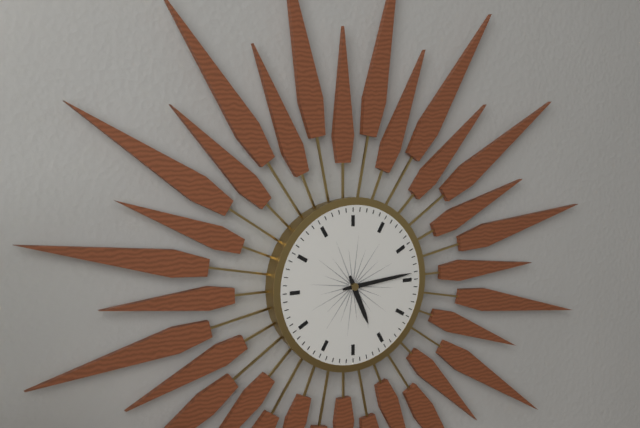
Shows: 5:14
